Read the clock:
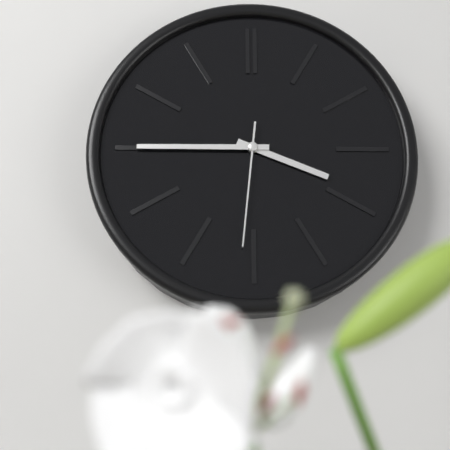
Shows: 3:45:31
